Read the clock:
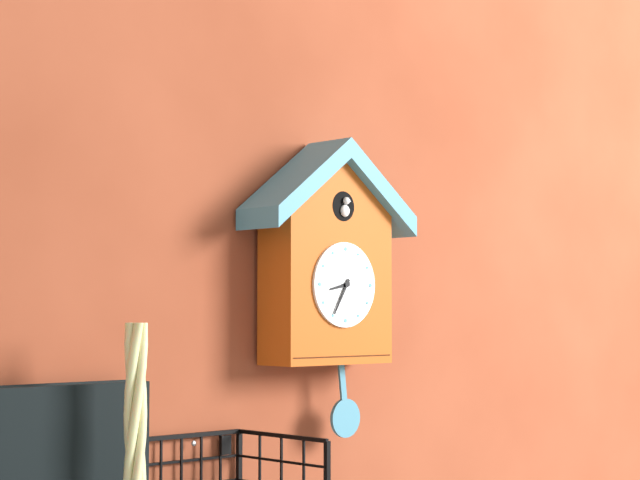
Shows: 8:35
